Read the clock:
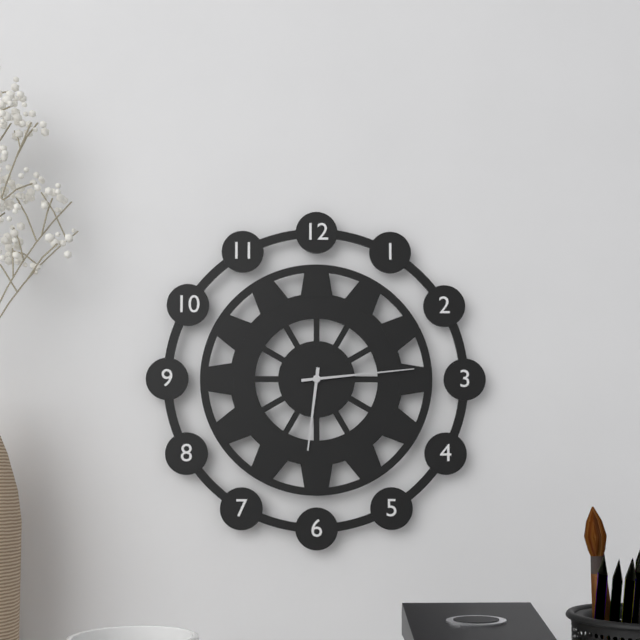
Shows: 6:14
